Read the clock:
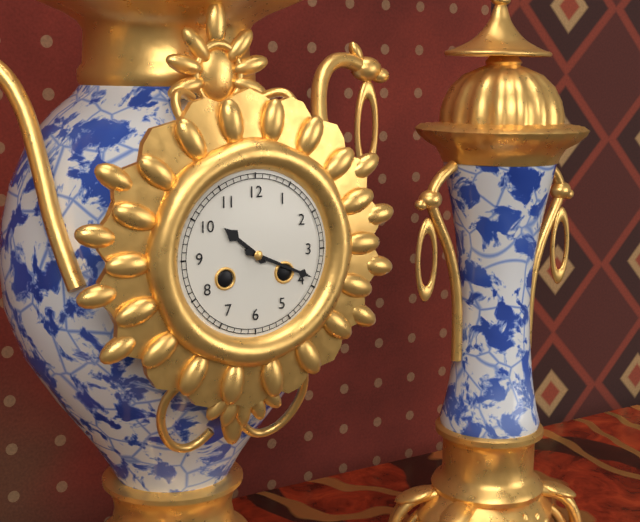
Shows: 10:19
